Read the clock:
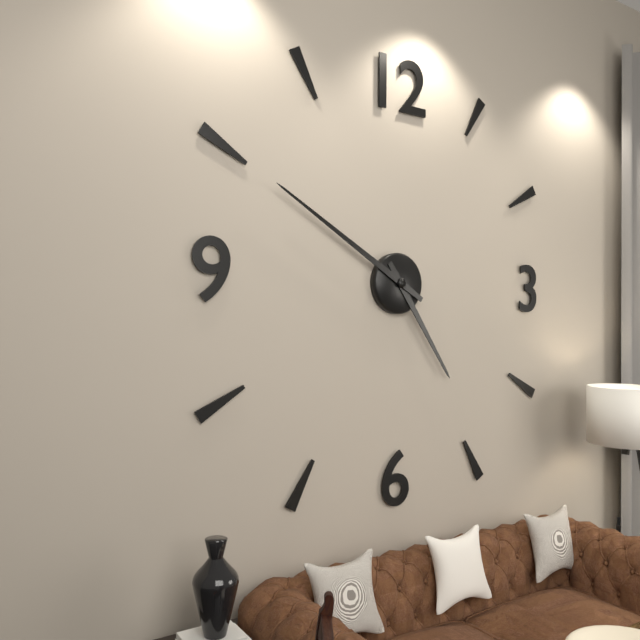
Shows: 4:50
